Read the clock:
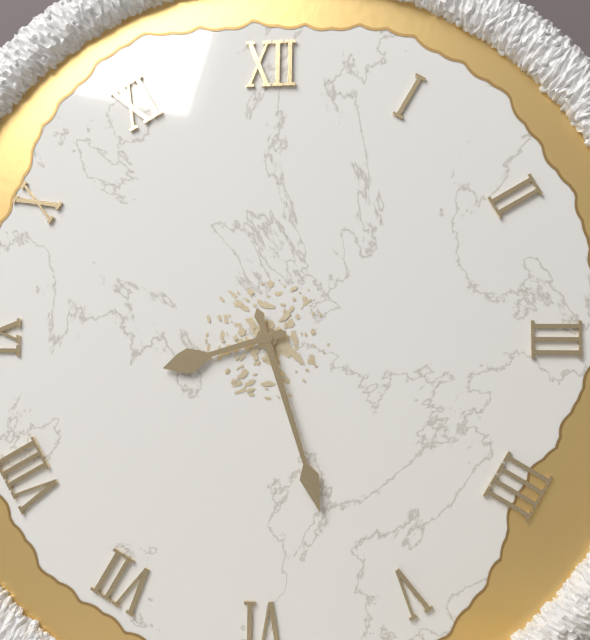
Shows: 8:27
